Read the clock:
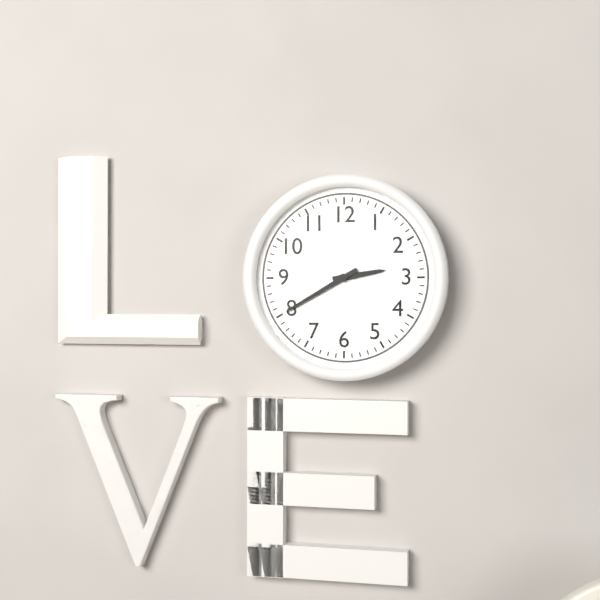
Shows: 2:40
